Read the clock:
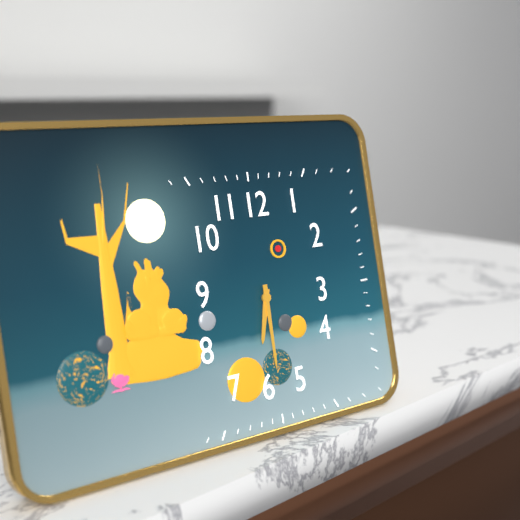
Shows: 6:30
